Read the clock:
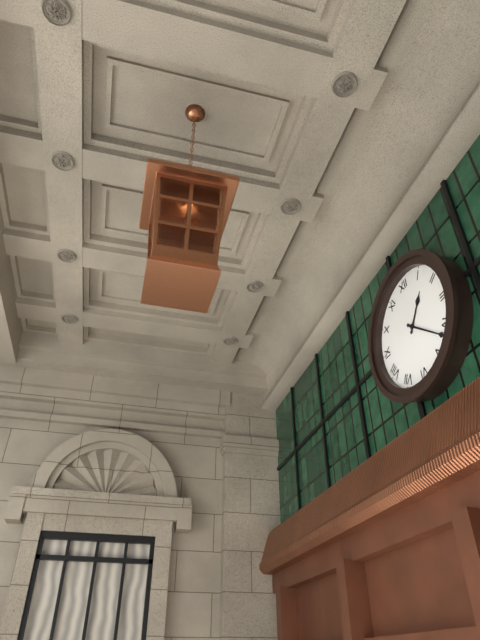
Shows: 1:22
